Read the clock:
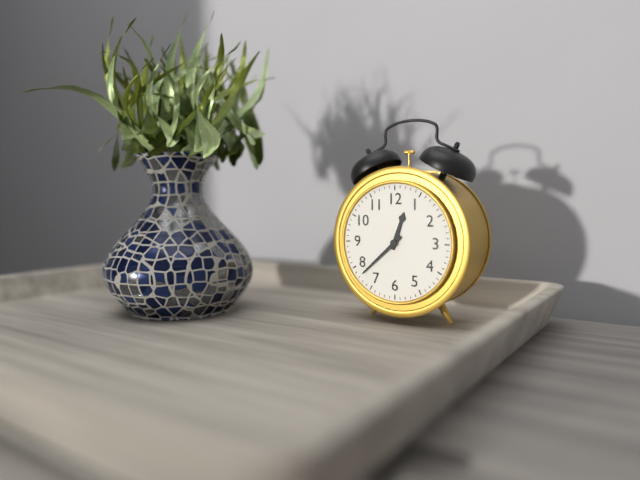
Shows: 12:38
